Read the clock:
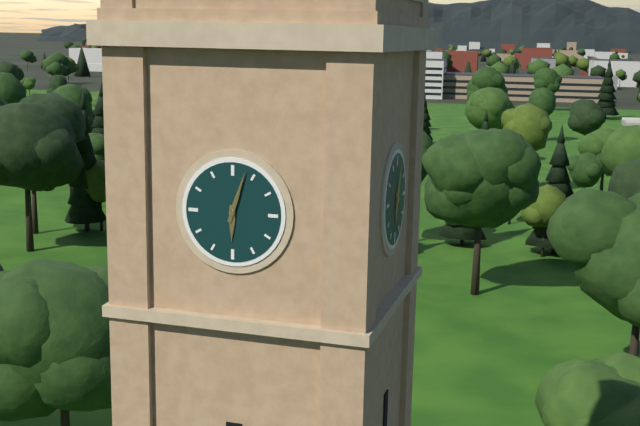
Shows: 6:03
